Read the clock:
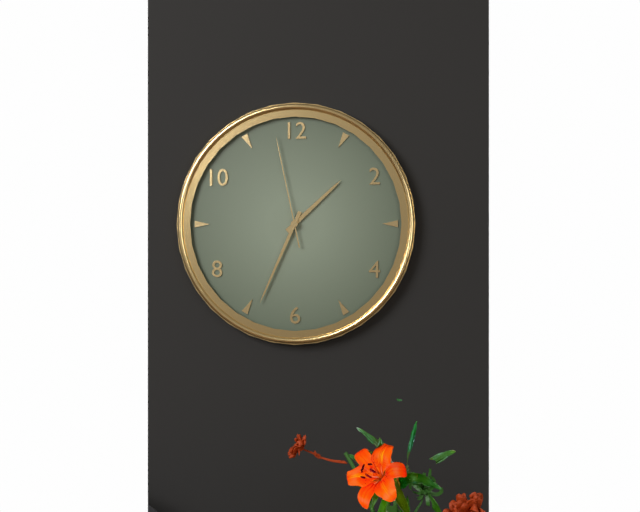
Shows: 1:34:58
